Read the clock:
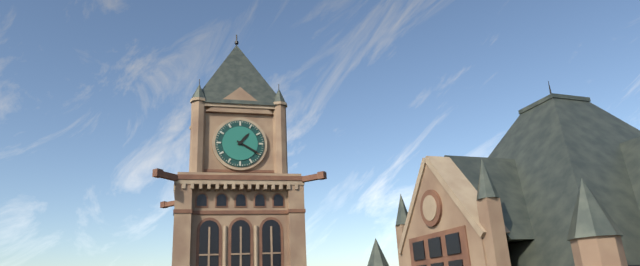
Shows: 1:20
